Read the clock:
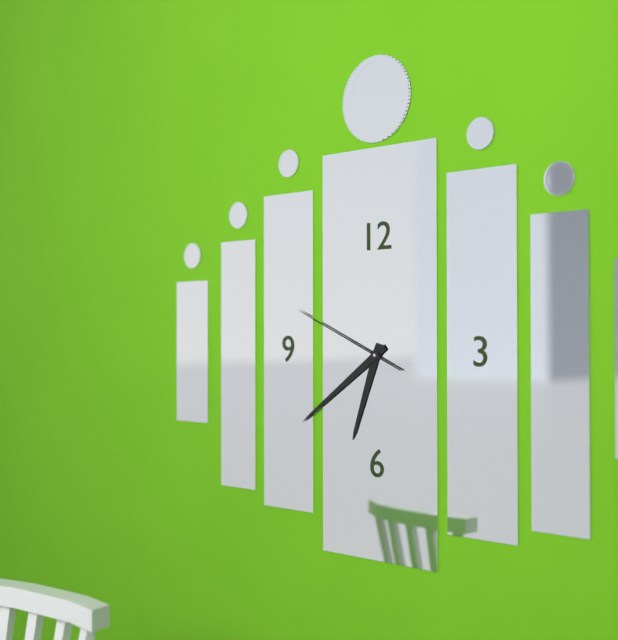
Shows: 6:39:49
